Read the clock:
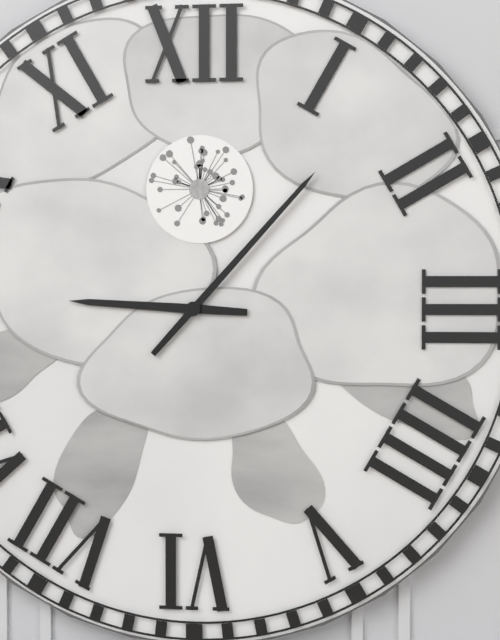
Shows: 9:07
